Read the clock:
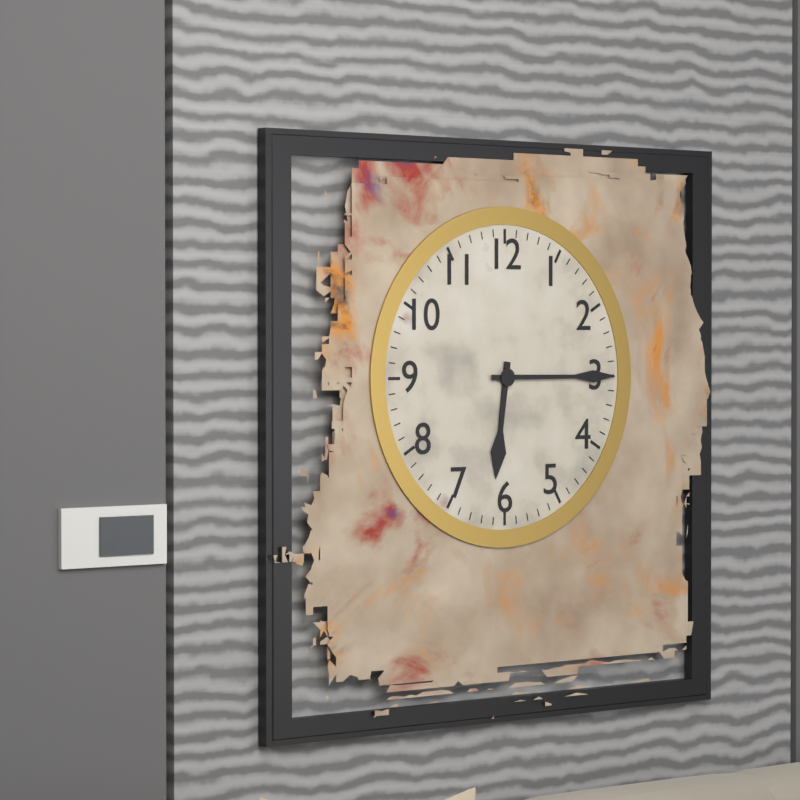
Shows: 6:15
